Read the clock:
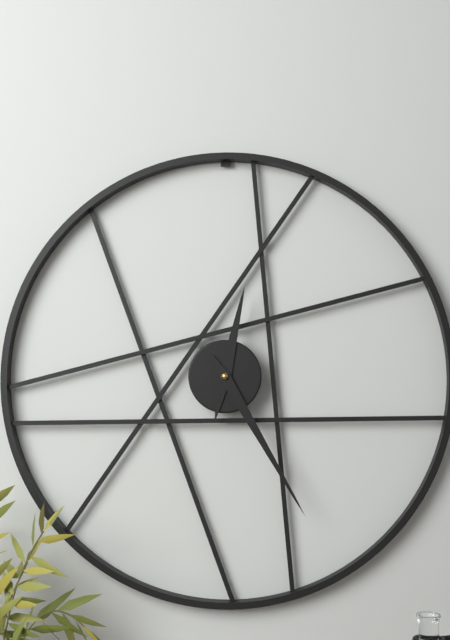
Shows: 12:25
